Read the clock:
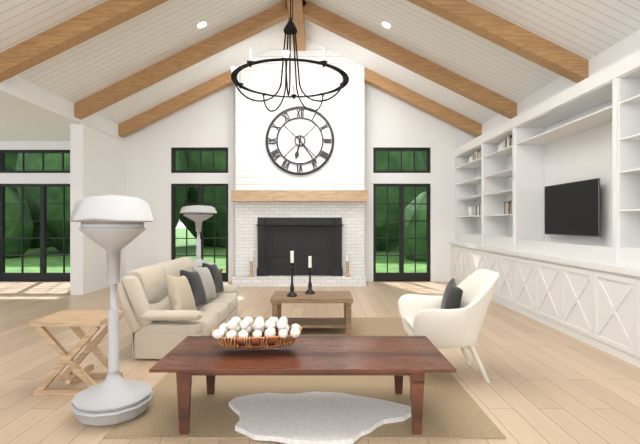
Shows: 6:24
